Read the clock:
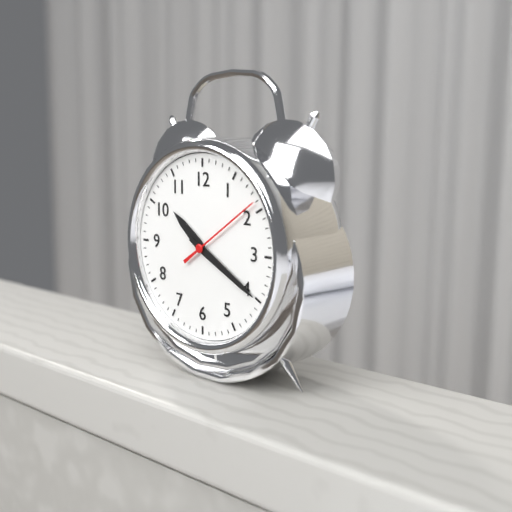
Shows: 10:20:09
